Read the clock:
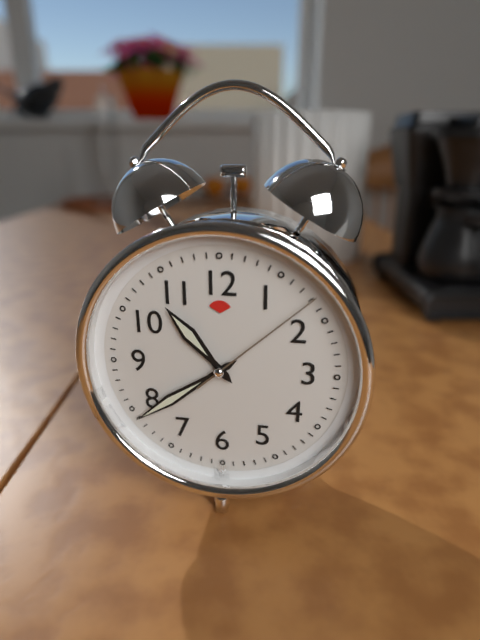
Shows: 10:39:08
